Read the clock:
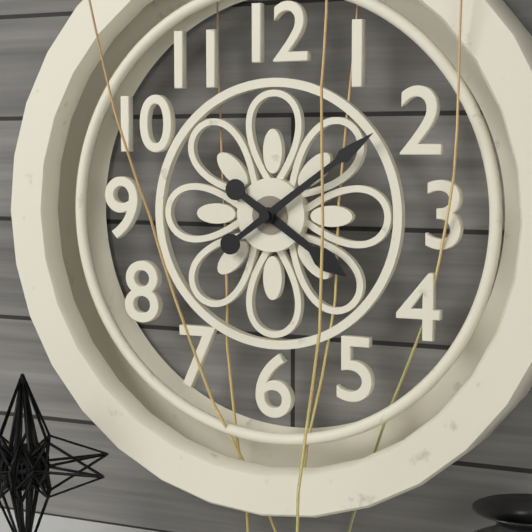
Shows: 4:09
